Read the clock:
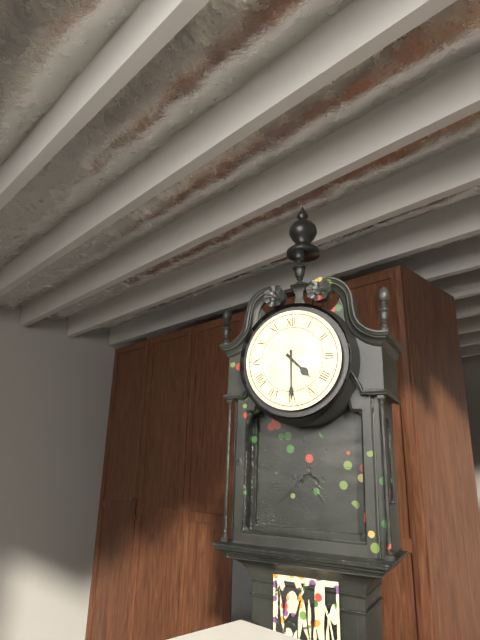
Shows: 4:30
